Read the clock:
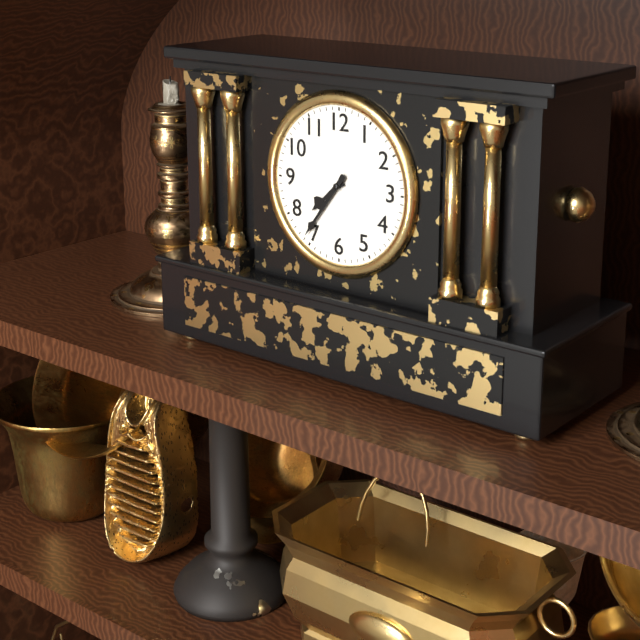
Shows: 7:36
